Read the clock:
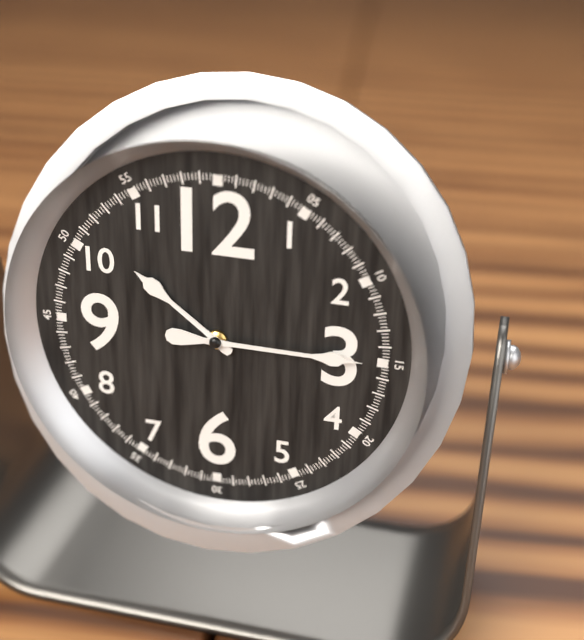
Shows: 10:15
